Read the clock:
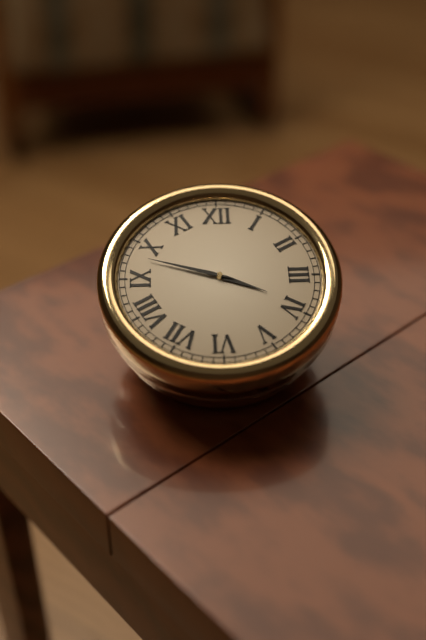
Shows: 3:48
